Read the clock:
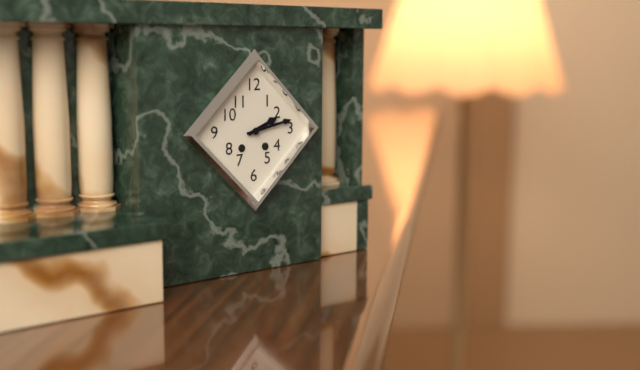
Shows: 2:13
